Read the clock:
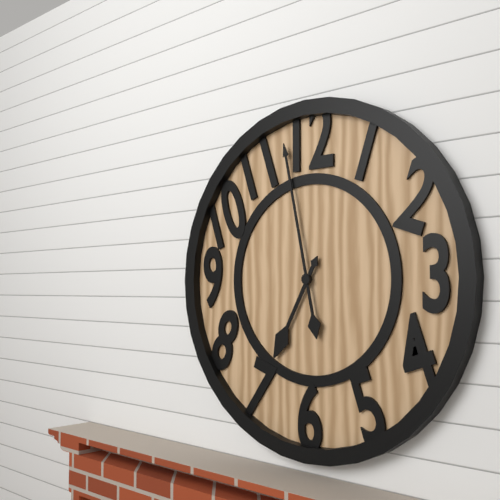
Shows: 6:58
